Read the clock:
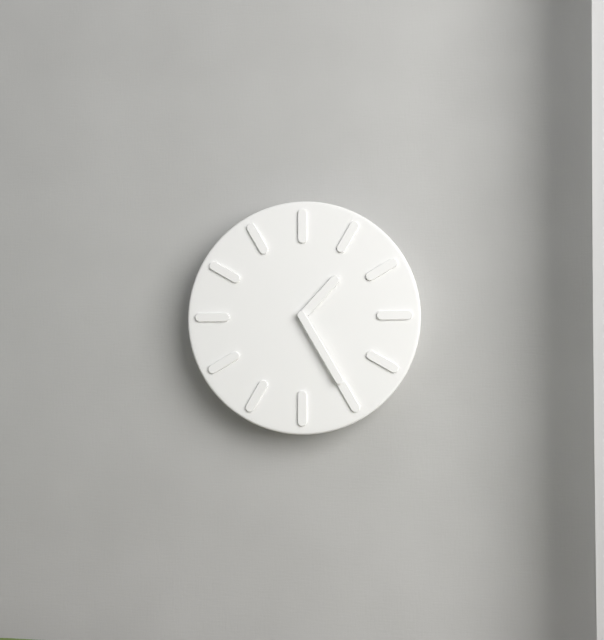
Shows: 1:25
